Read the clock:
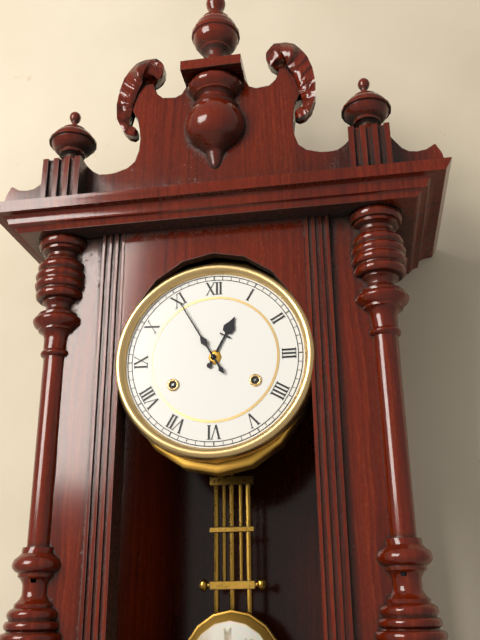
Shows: 12:55
